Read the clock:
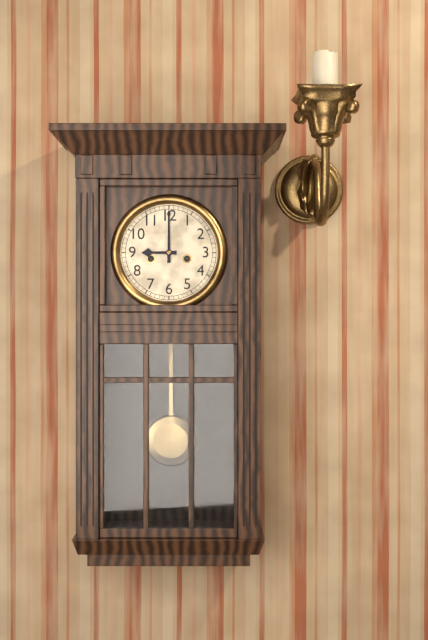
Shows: 9:00
